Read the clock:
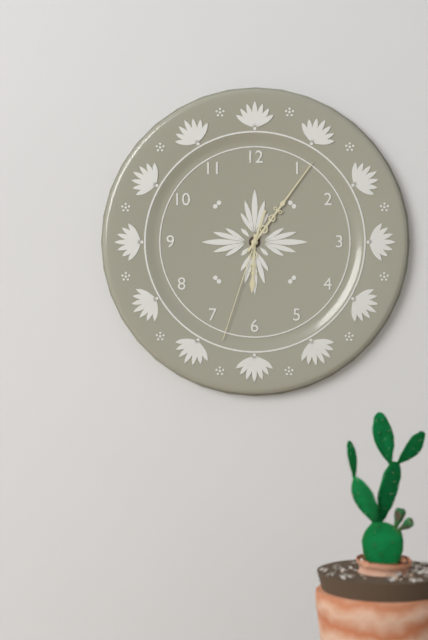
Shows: 6:06:33
